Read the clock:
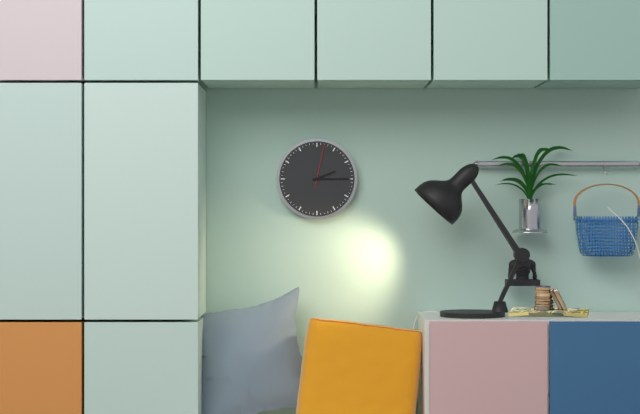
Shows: 2:15
